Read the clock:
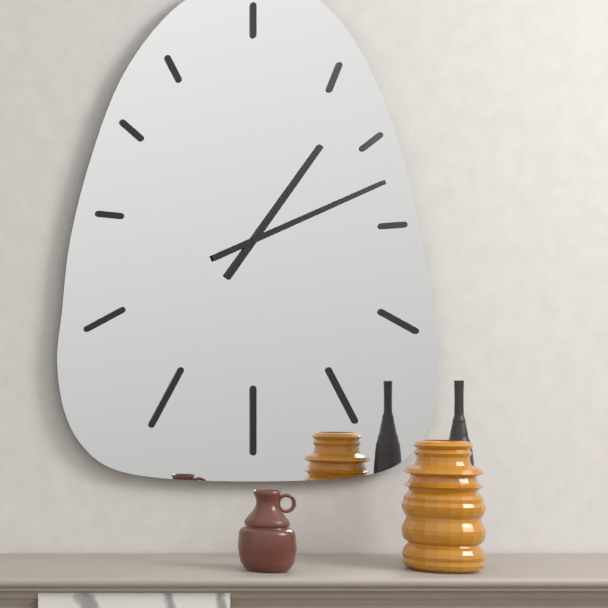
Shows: 1:11
